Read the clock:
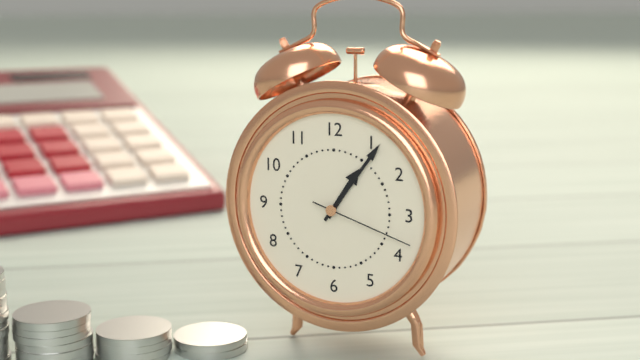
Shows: 1:06:18
